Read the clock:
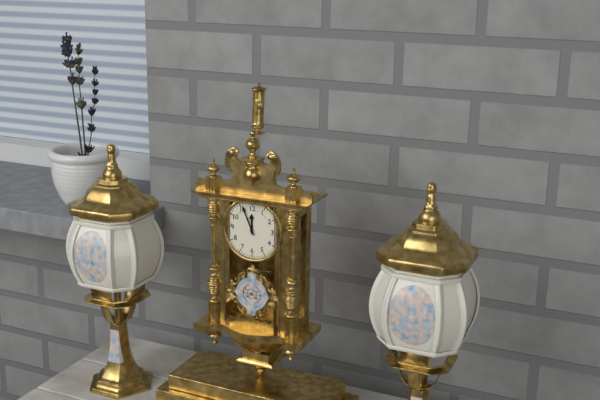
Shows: 11:56
